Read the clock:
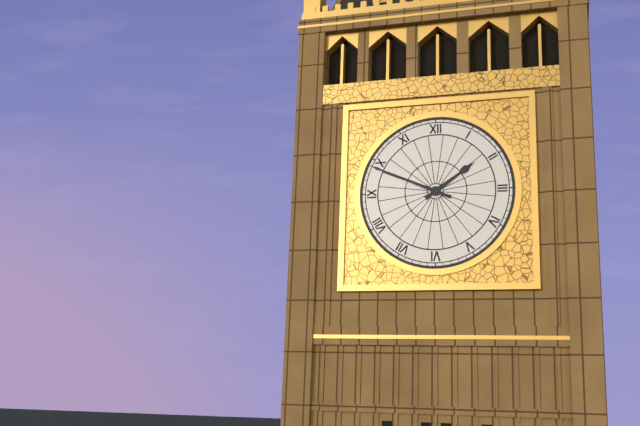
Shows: 1:49
